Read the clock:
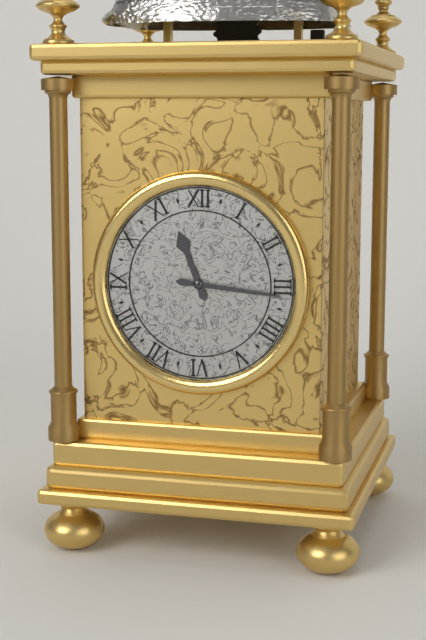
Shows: 11:16
